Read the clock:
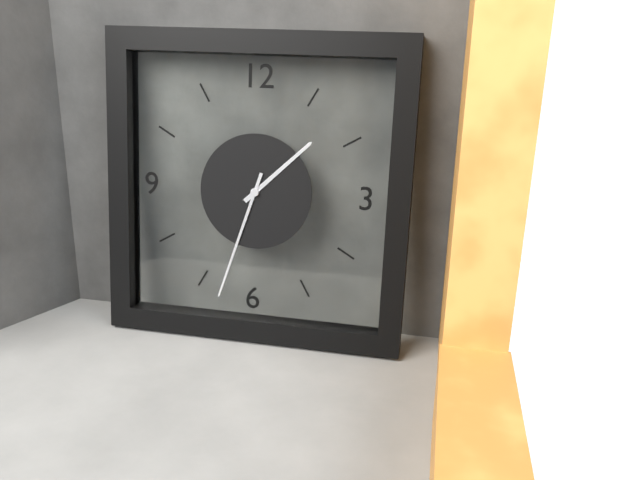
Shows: 1:33
